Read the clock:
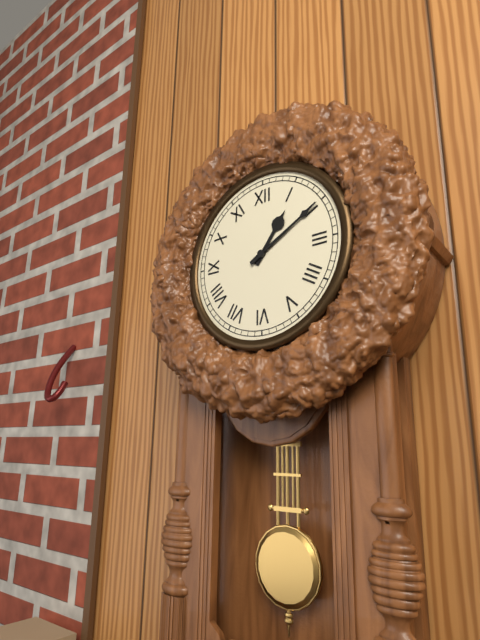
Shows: 1:10
